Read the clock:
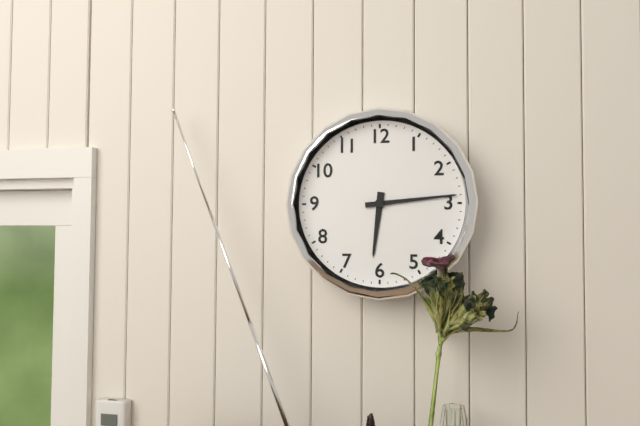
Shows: 6:14
